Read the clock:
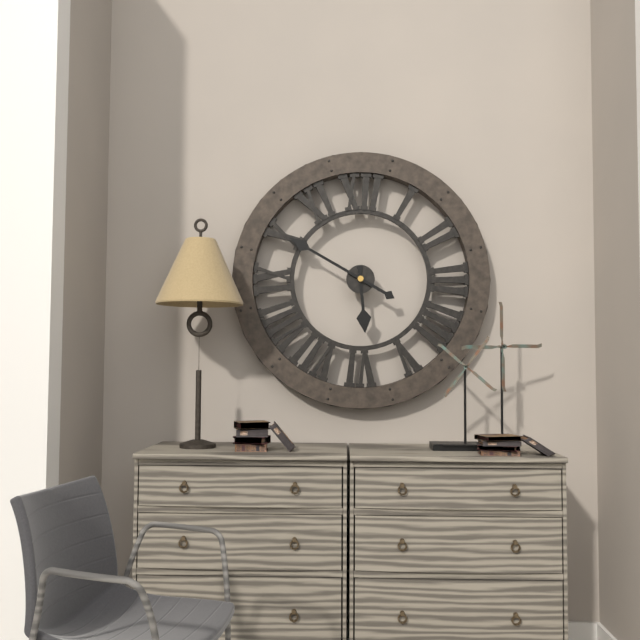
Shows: 5:50
